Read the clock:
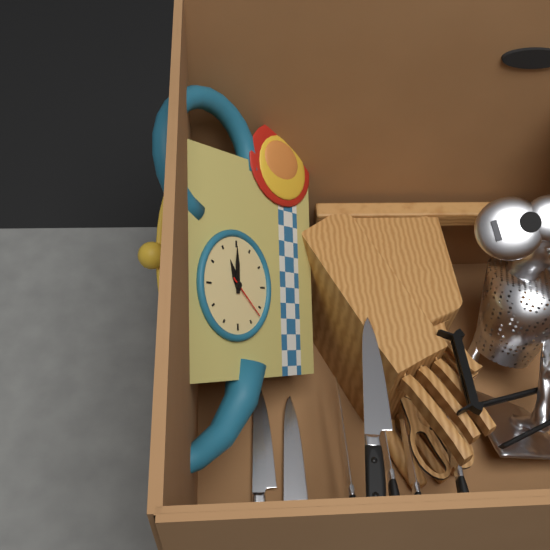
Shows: 2:15:37
